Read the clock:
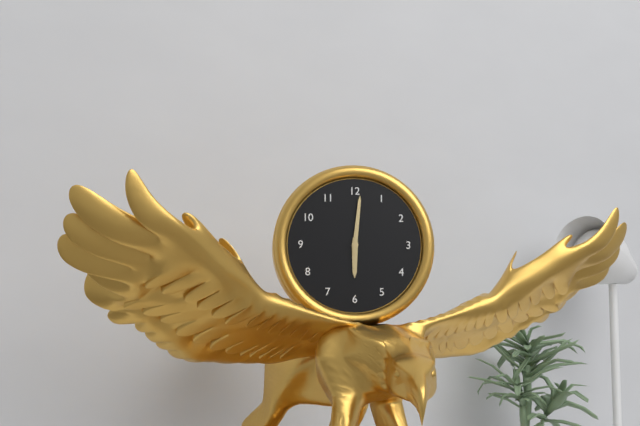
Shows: 6:01
